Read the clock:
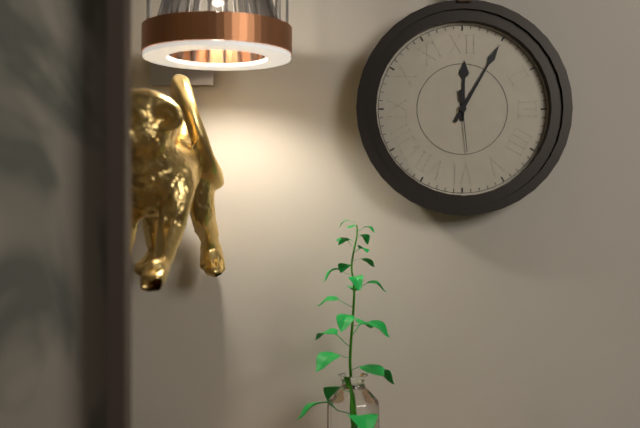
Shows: 12:05:29
